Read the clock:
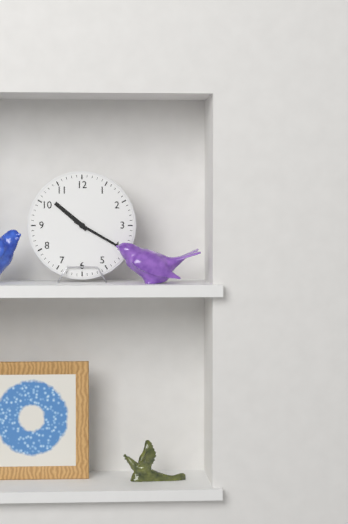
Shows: 10:20
